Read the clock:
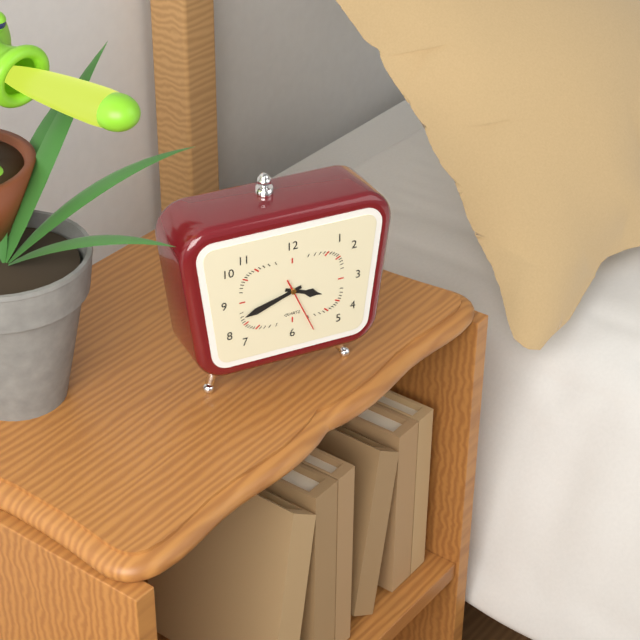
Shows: 3:42:26
